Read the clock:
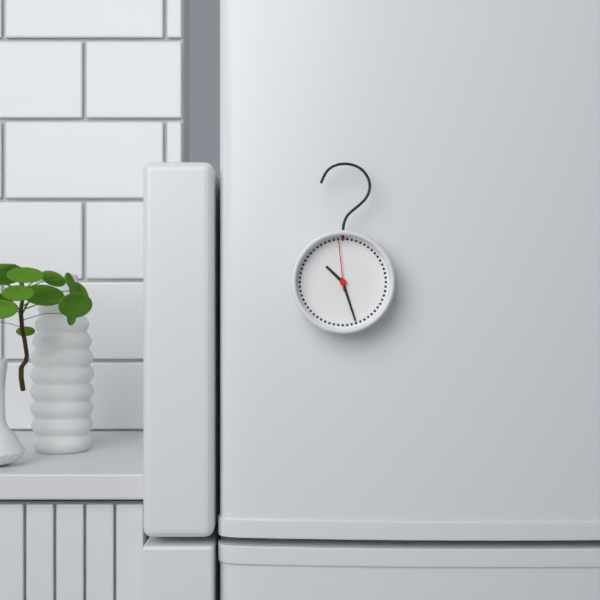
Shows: 10:27:59
